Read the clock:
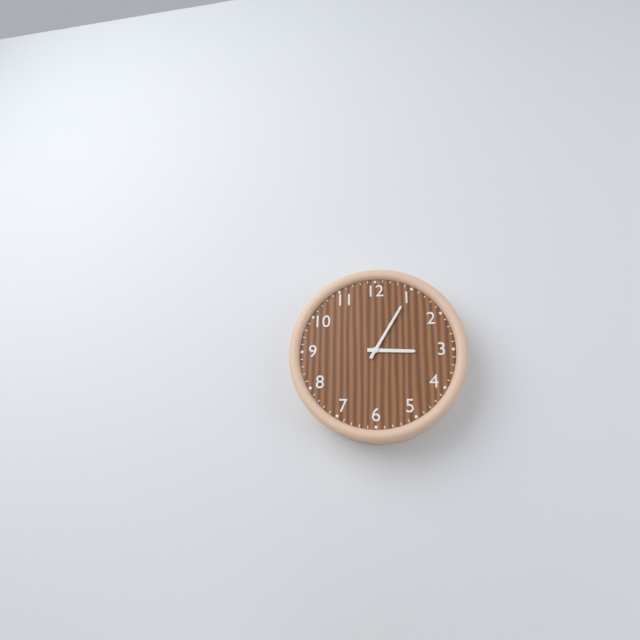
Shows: 3:05
